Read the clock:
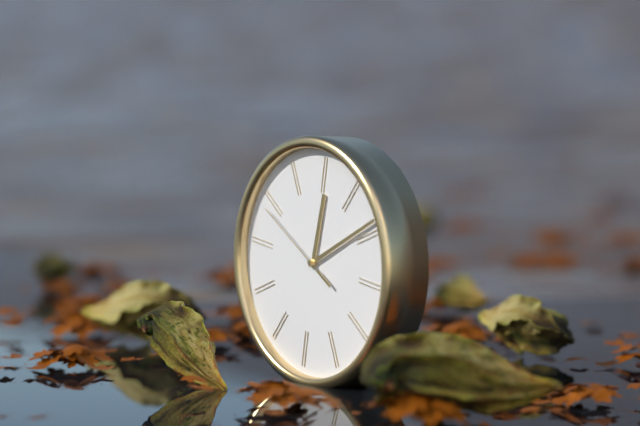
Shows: 12:09:49
